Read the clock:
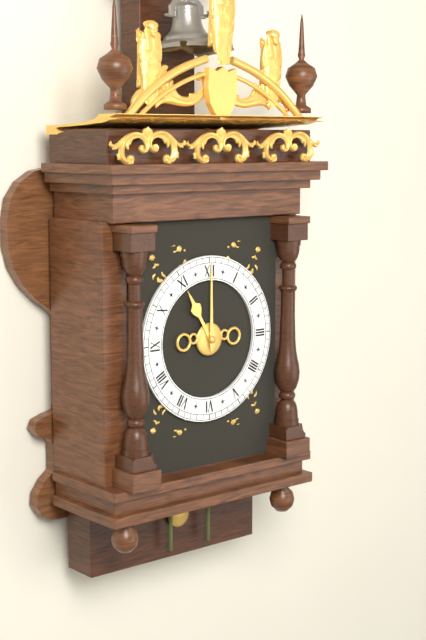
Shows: 11:00
